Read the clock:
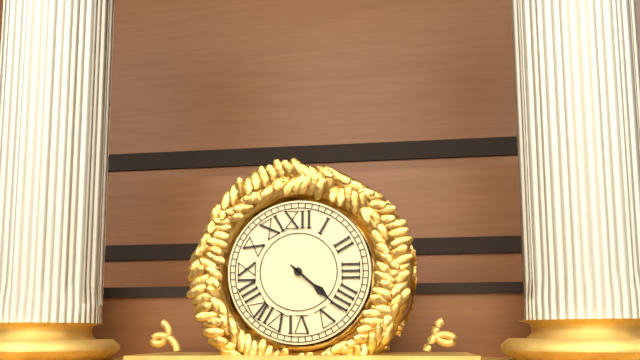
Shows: 4:22
